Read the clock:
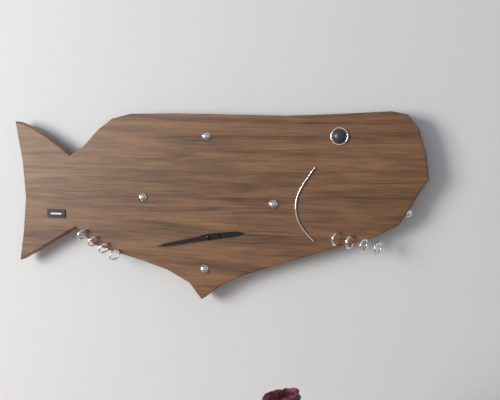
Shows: 2:43
